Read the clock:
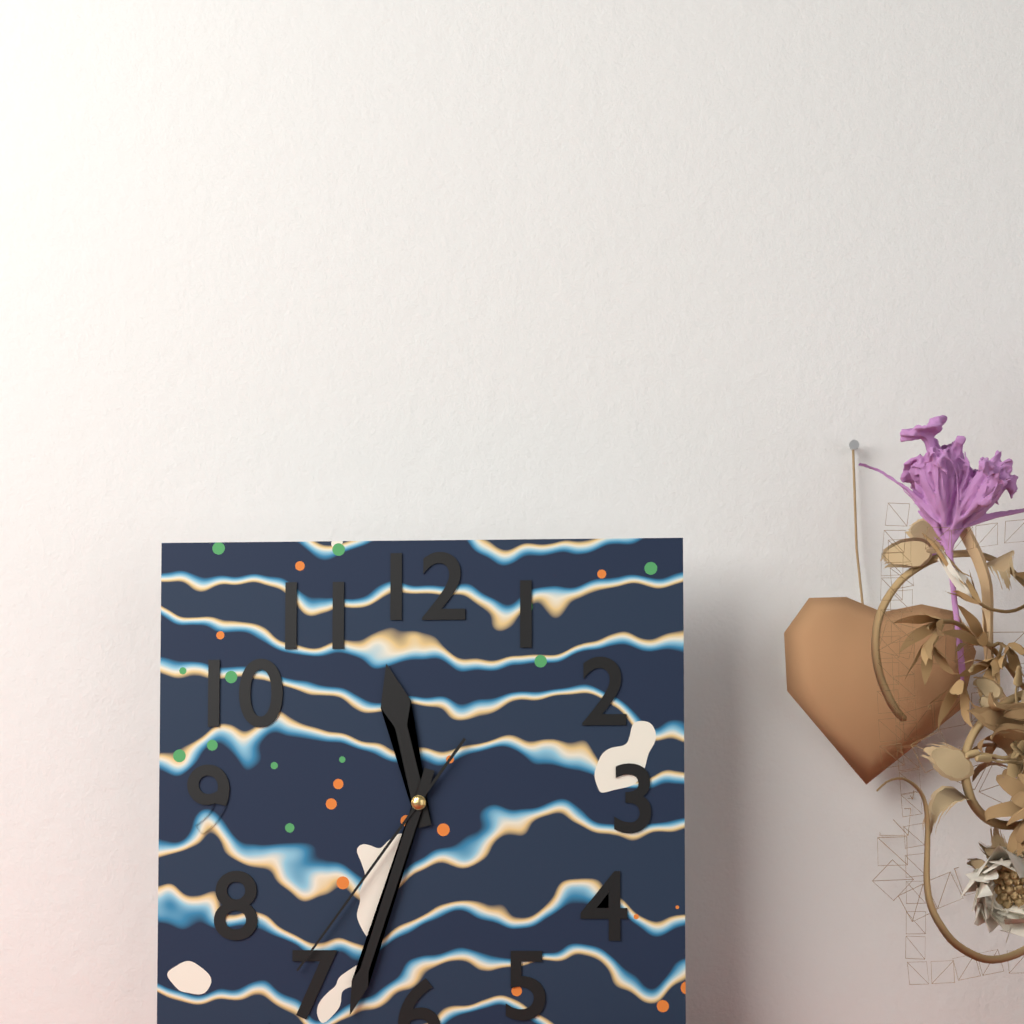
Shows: 11:33:36
